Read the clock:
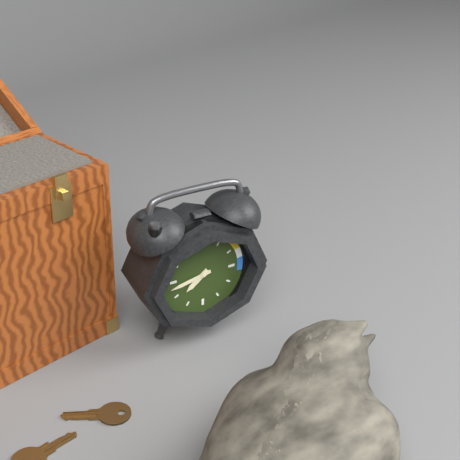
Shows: 7:43
